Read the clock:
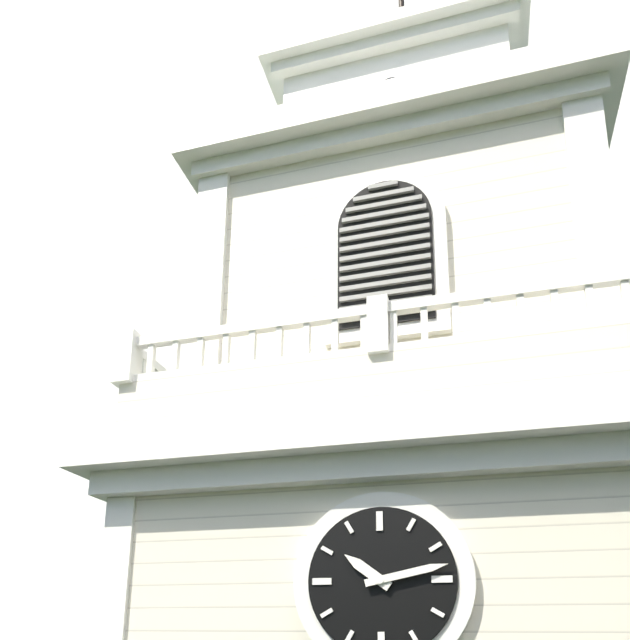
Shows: 10:13
